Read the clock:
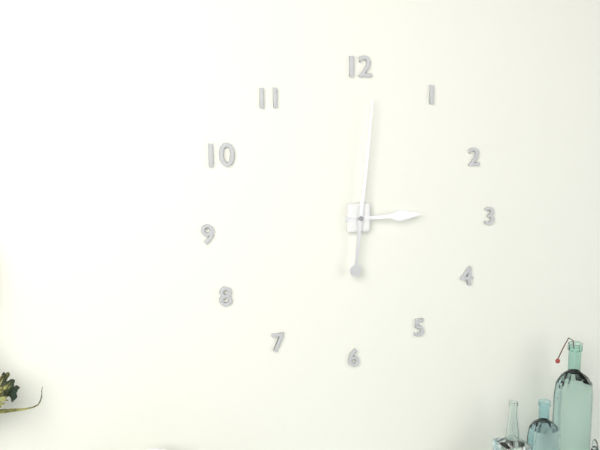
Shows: 3:01
